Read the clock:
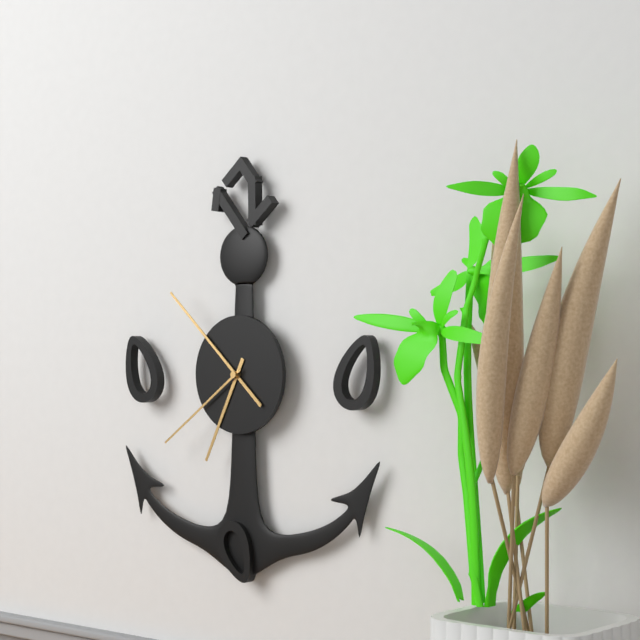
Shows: 6:52:39
